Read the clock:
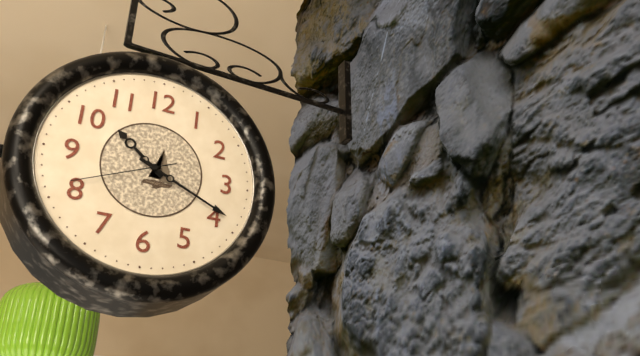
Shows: 10:19:41
